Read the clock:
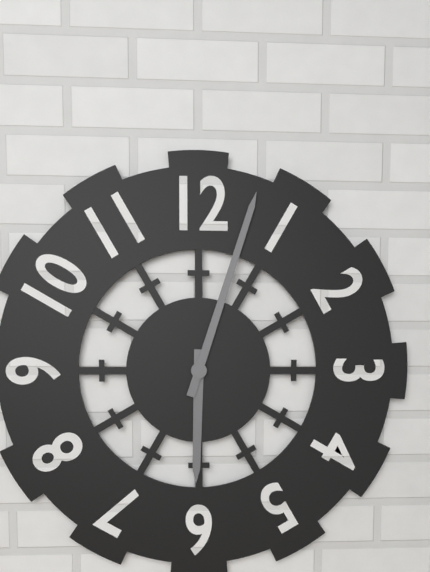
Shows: 6:03
